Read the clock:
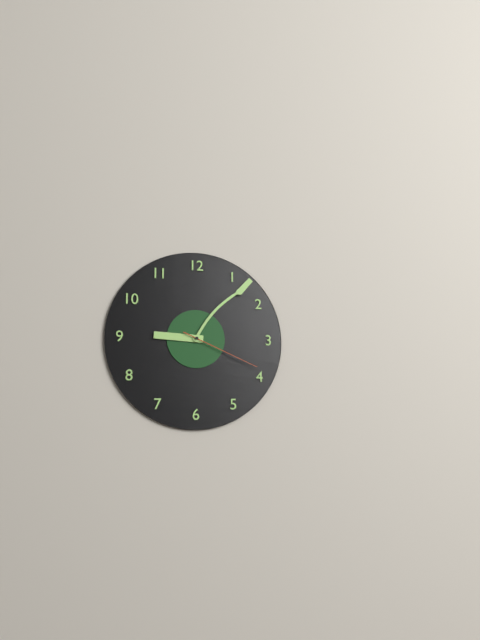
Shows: 9:07:19
